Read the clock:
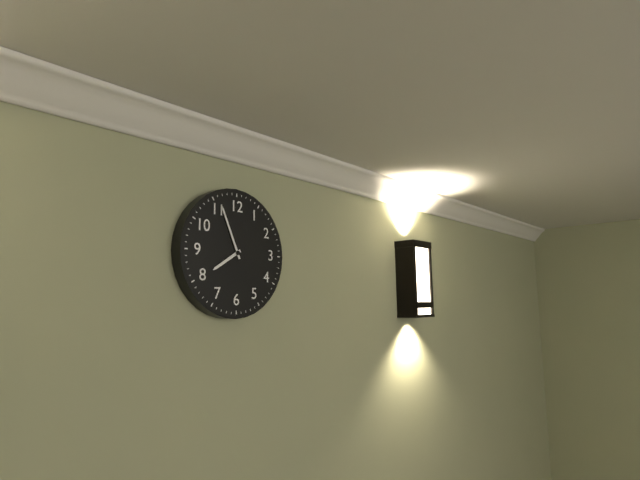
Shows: 7:56
